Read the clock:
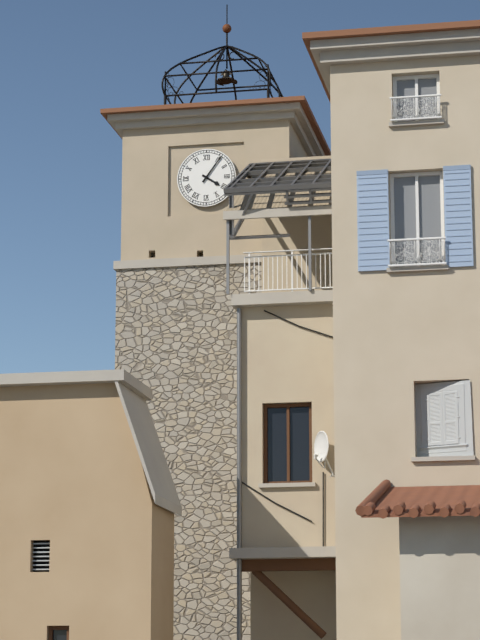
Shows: 4:06
